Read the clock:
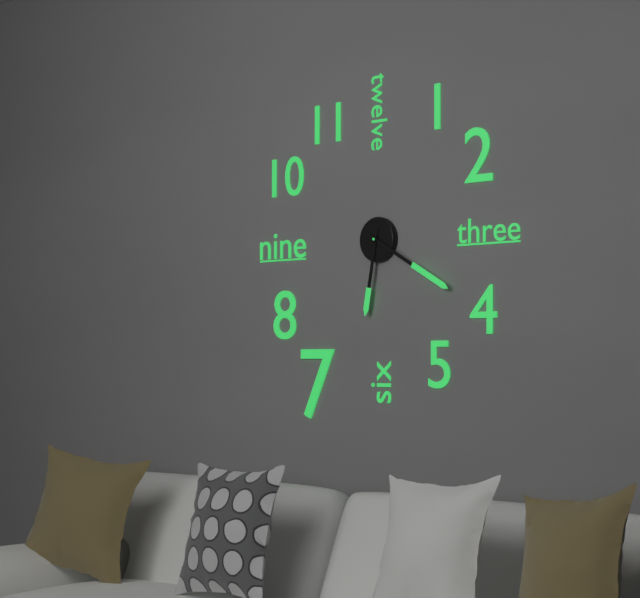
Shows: 6:20
